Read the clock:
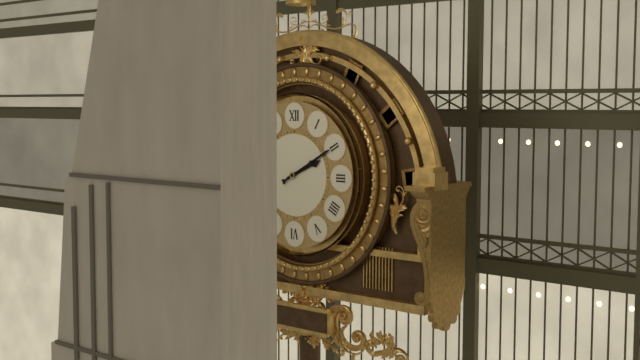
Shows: 2:10
